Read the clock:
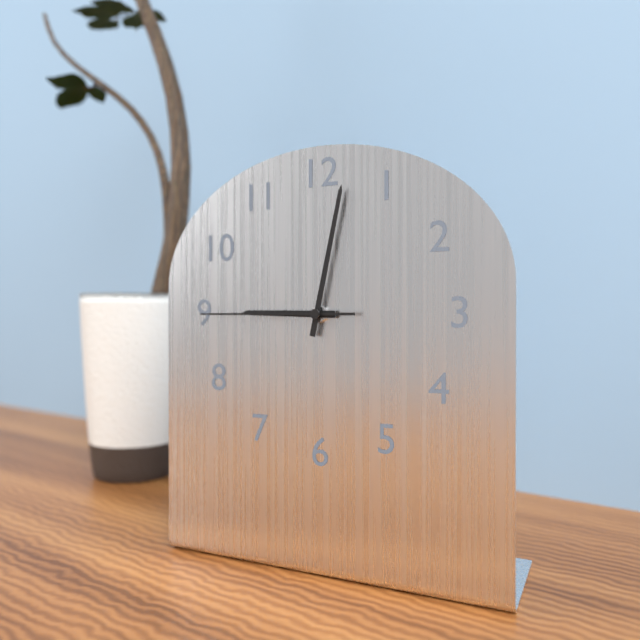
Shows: 9:02:45
